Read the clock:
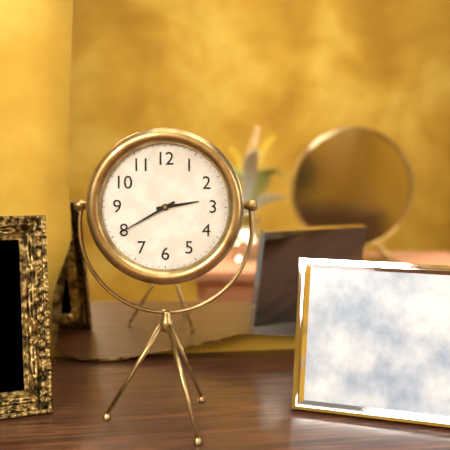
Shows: 2:40
